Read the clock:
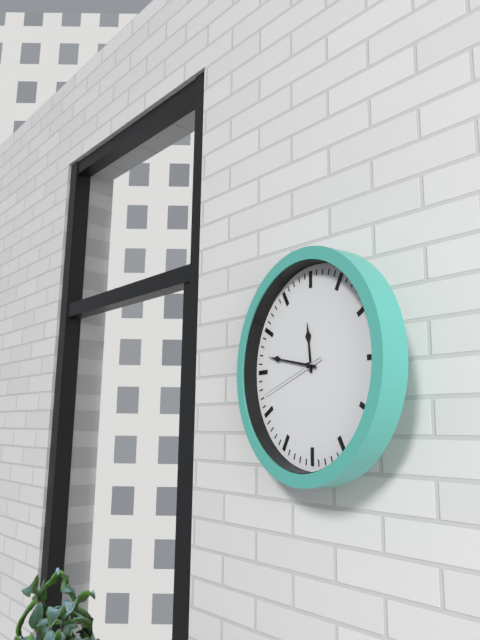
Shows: 11:47:42
